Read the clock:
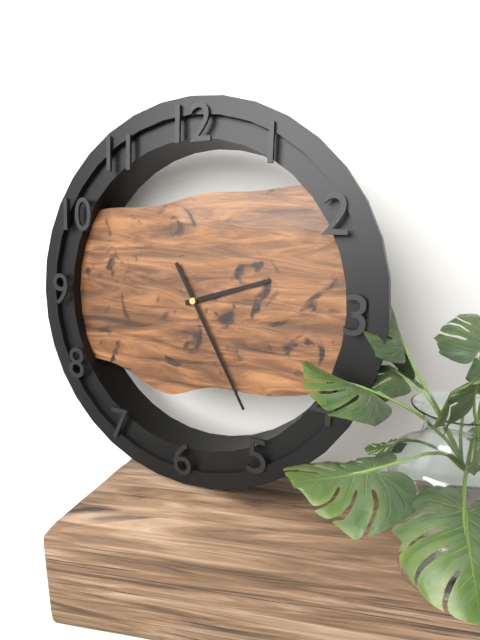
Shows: 2:25
